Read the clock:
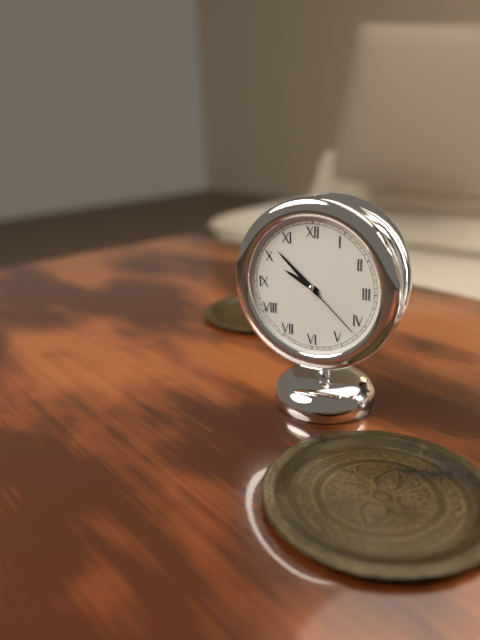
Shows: 9:52:22
